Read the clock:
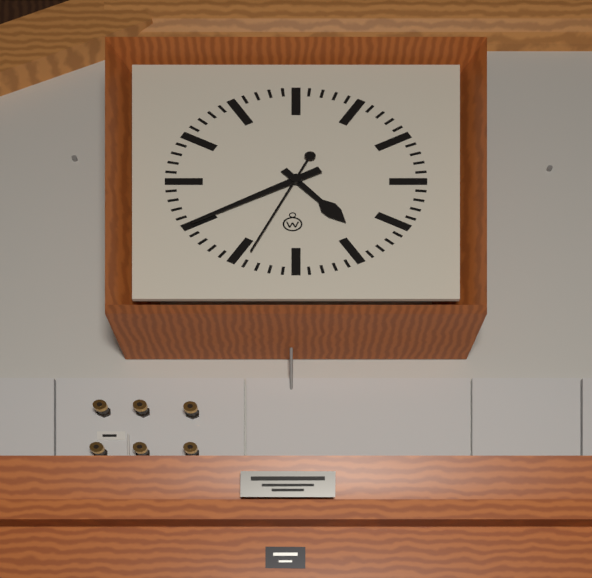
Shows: 4:40:34
